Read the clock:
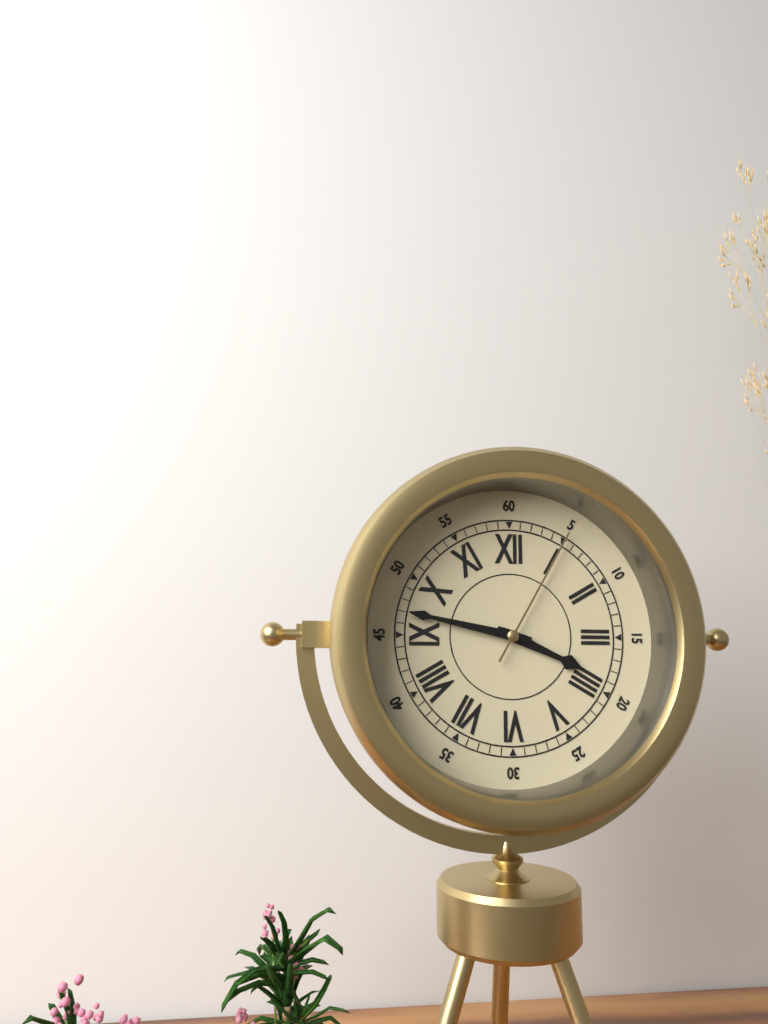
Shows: 3:47:05
